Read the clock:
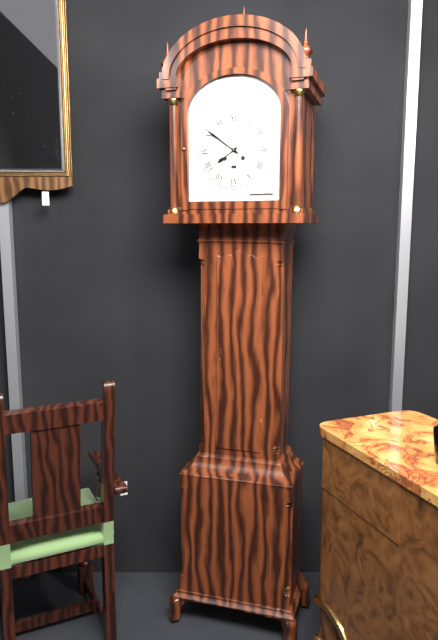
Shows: 7:51
